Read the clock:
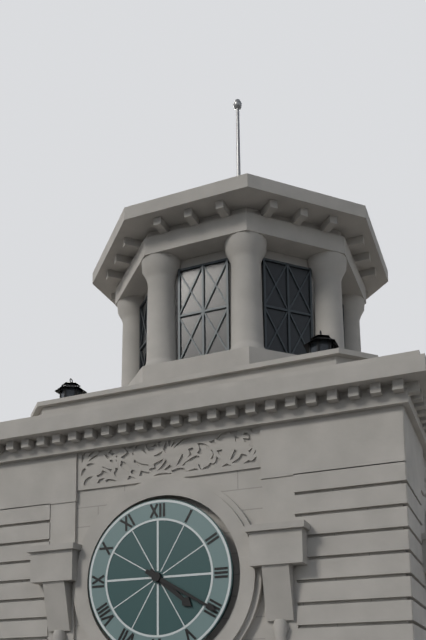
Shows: 4:20
